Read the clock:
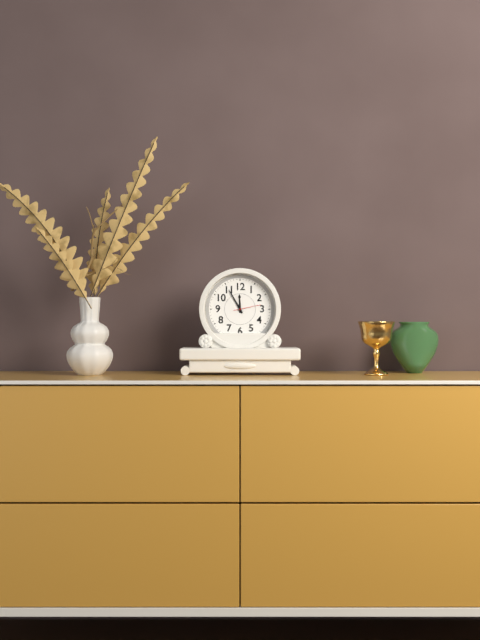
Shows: 11:55
